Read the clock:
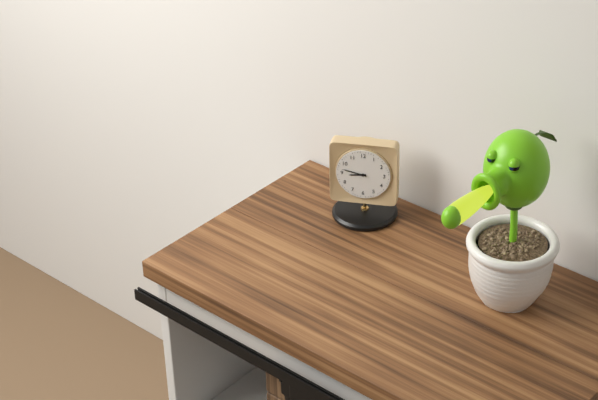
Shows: 8:47
